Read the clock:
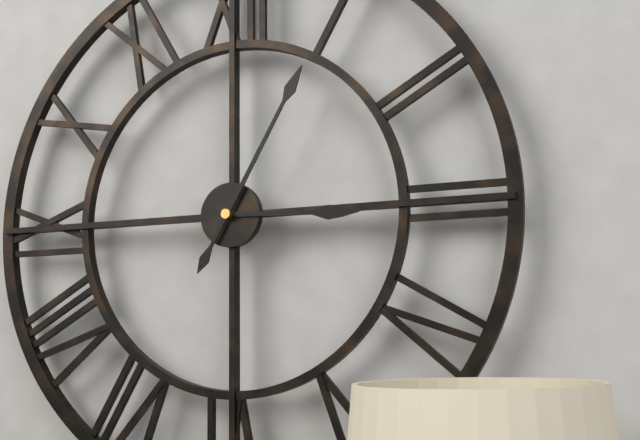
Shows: 3:05
